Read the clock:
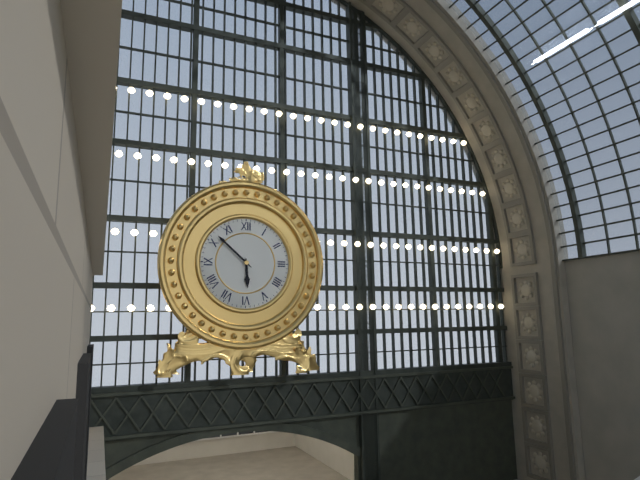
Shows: 5:52
